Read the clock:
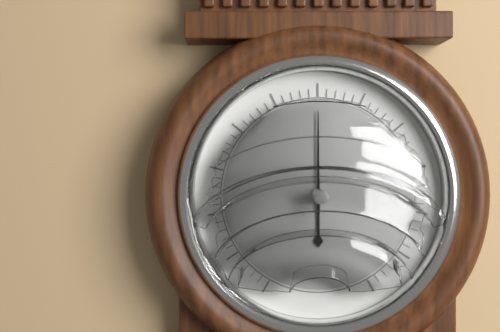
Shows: 6:00
